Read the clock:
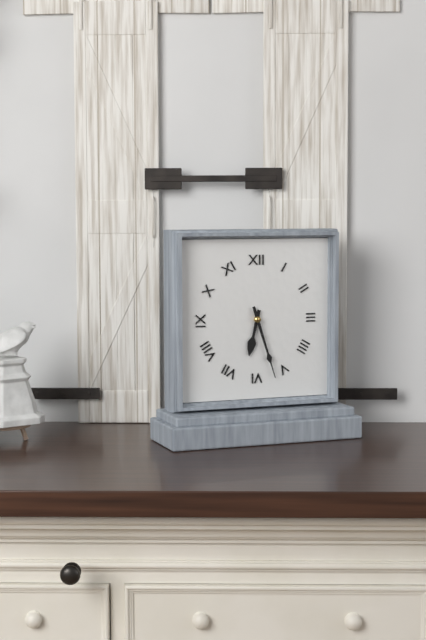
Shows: 6:27
